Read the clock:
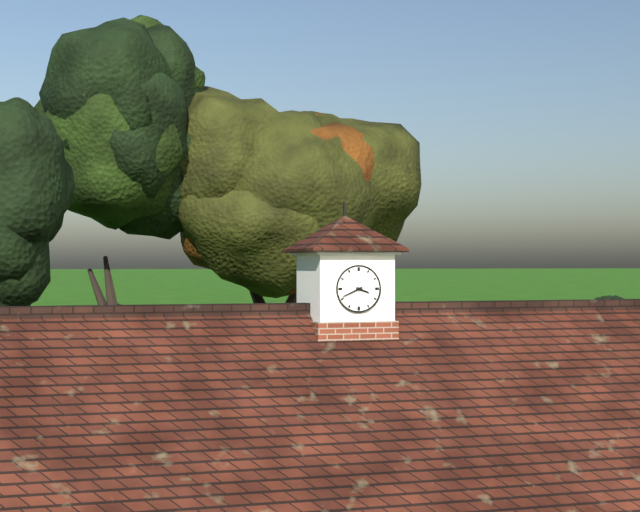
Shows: 3:41
